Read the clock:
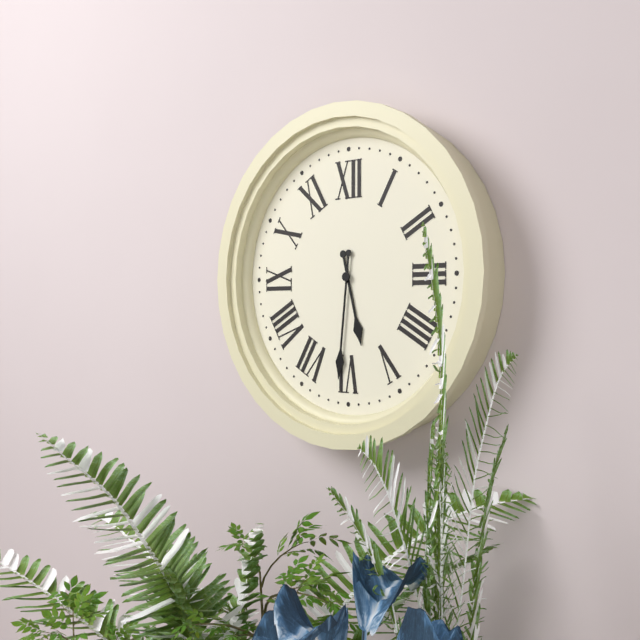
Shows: 5:31
